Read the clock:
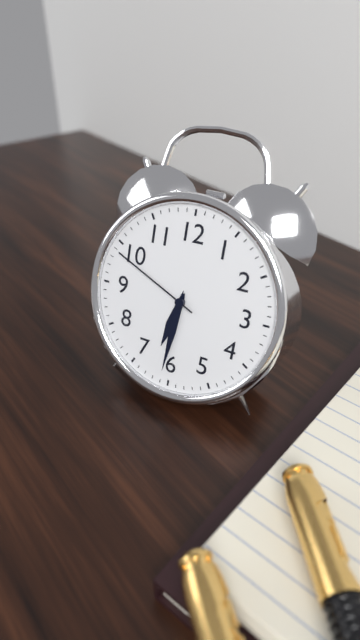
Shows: 6:31:49
